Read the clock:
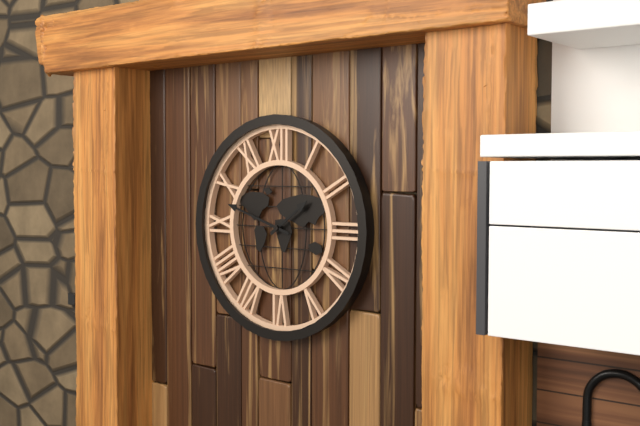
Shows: 1:48
